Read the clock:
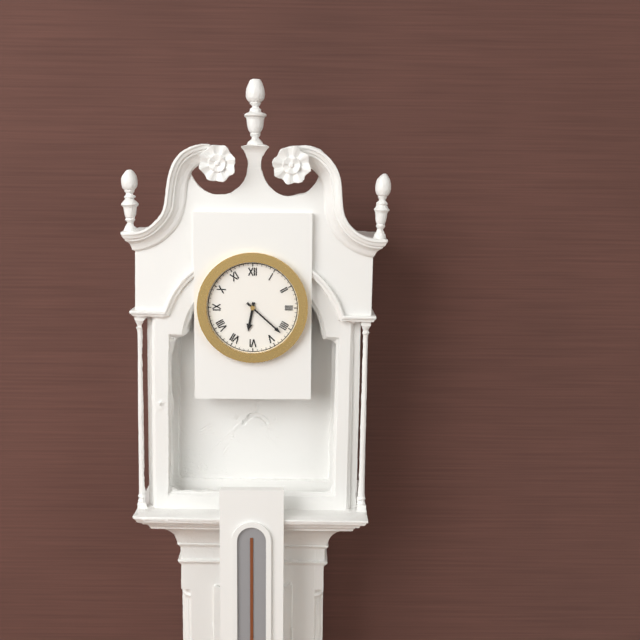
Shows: 6:22
